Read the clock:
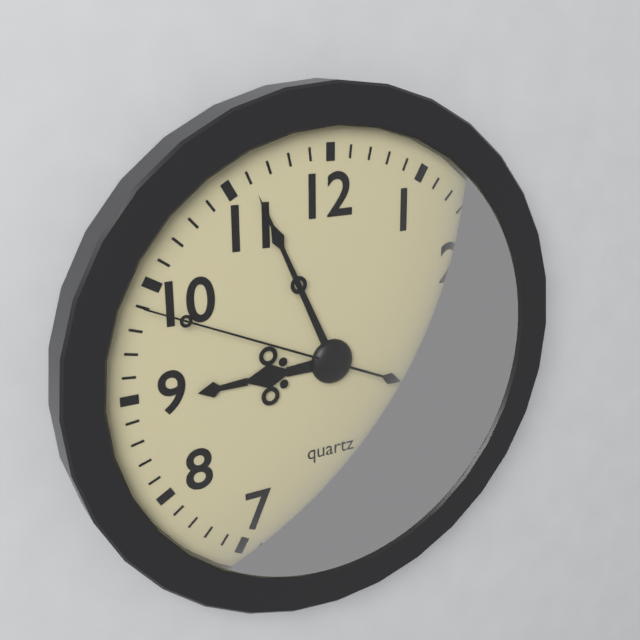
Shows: 8:56:49
